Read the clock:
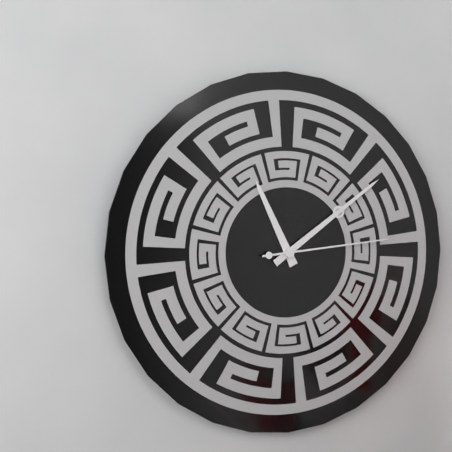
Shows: 11:09:14
